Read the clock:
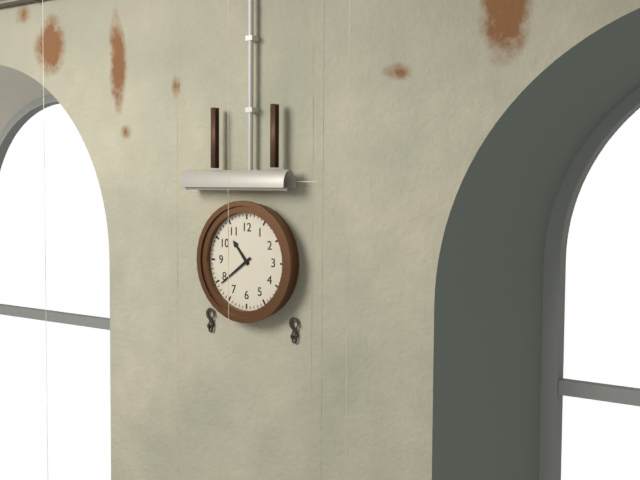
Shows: 10:39
